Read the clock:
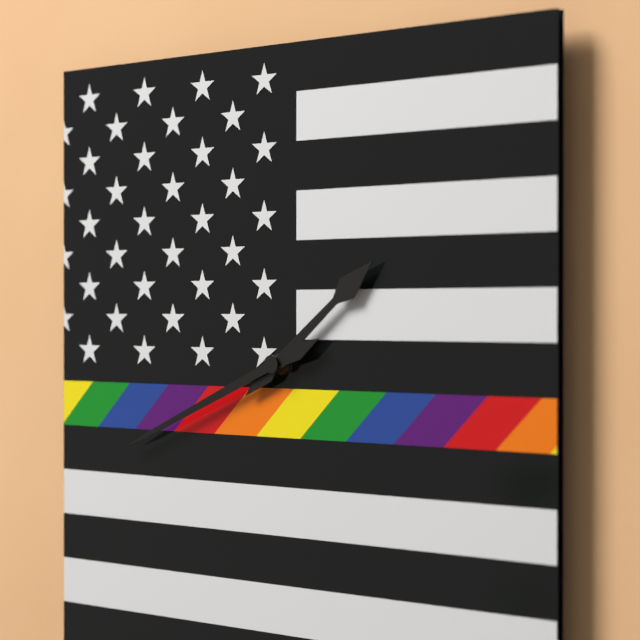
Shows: 1:41
